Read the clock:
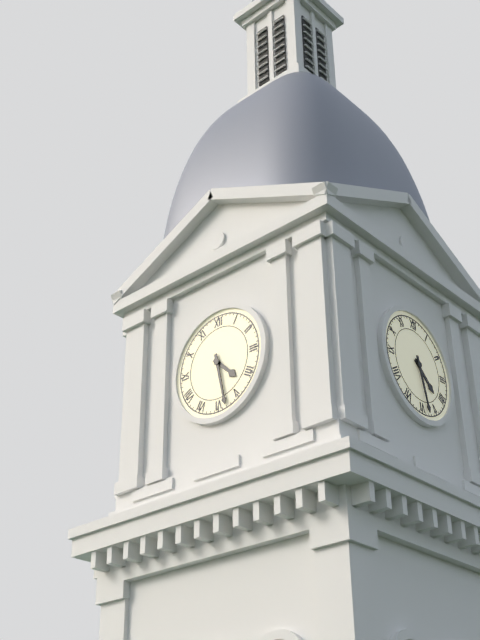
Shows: 4:28
